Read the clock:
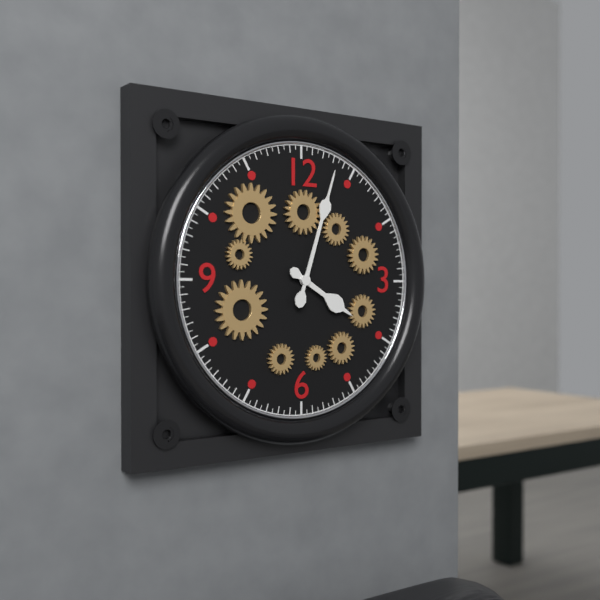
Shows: 4:03
